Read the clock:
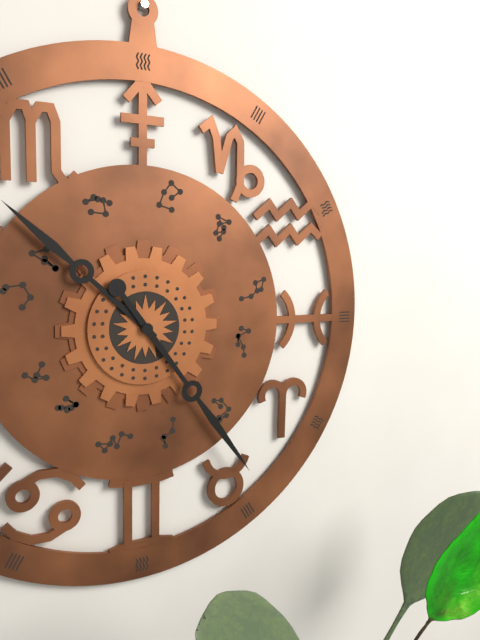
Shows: 10:24
